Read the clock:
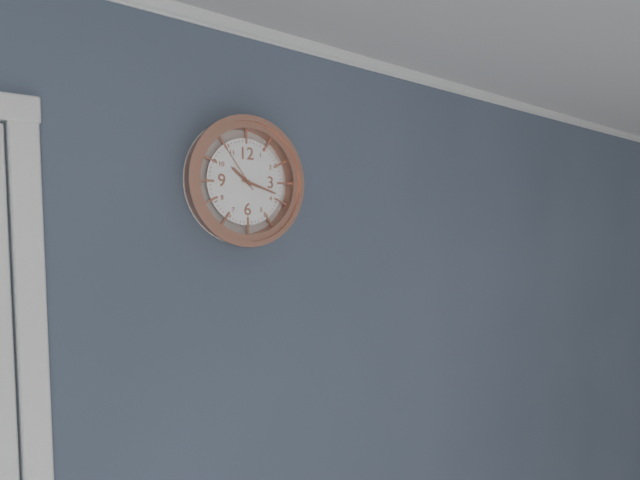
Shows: 10:18
